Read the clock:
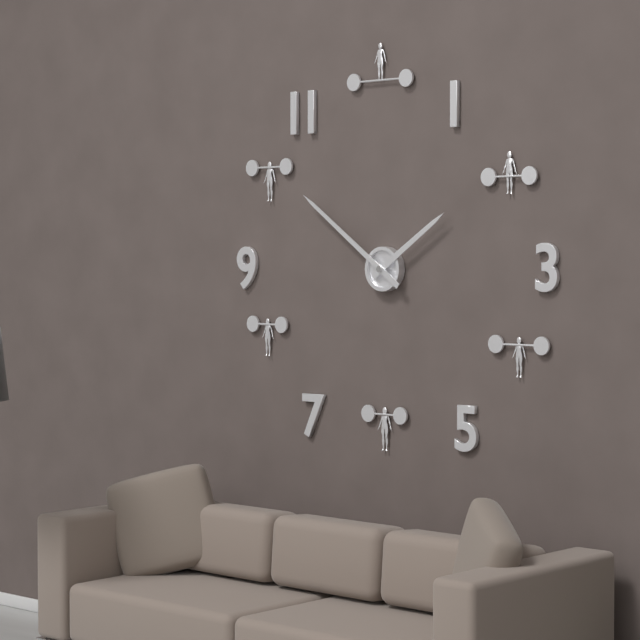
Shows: 1:51
